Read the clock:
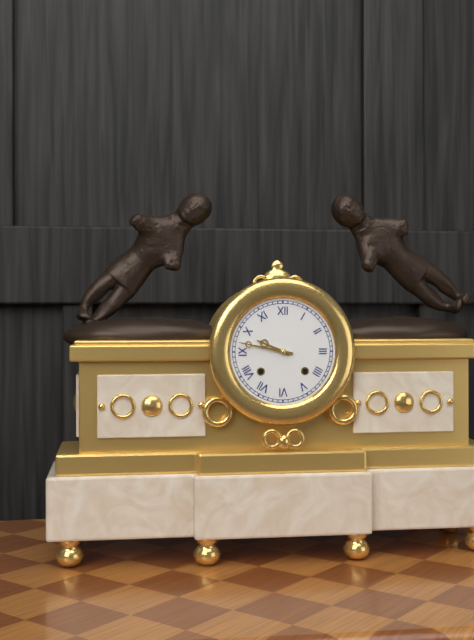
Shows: 9:47
